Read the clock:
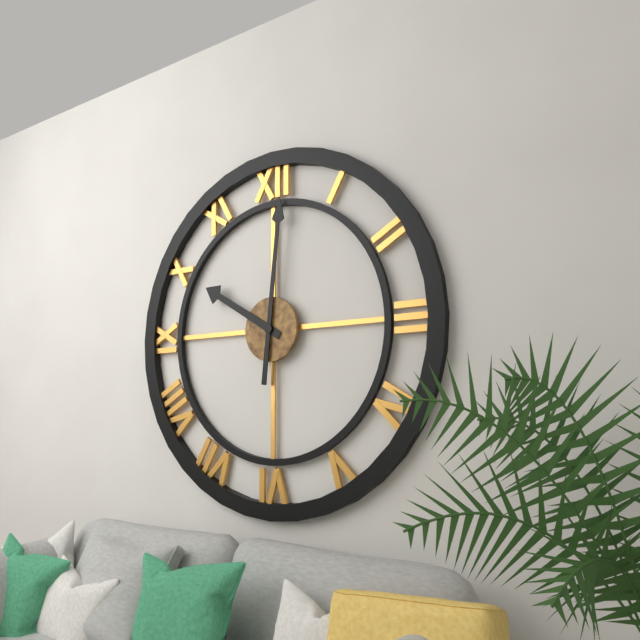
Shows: 10:01
